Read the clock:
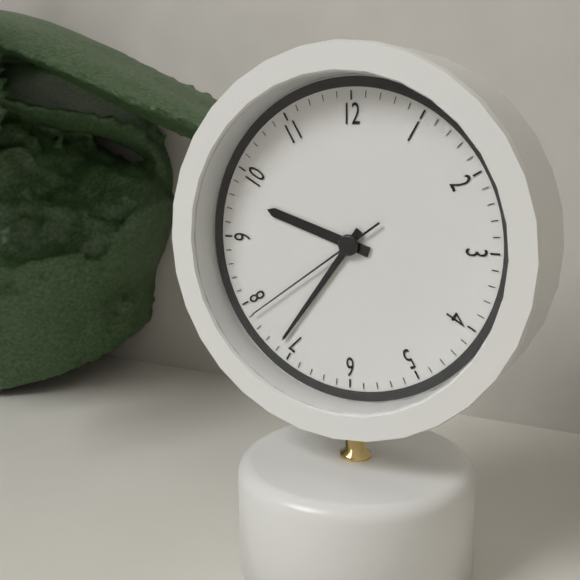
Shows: 9:36:39
